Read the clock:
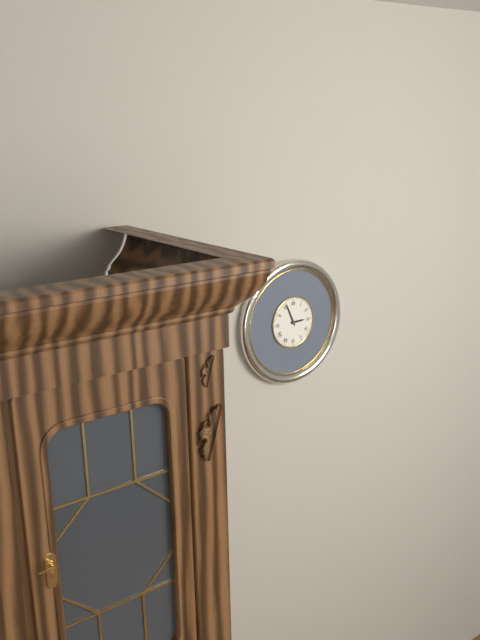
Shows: 2:56
